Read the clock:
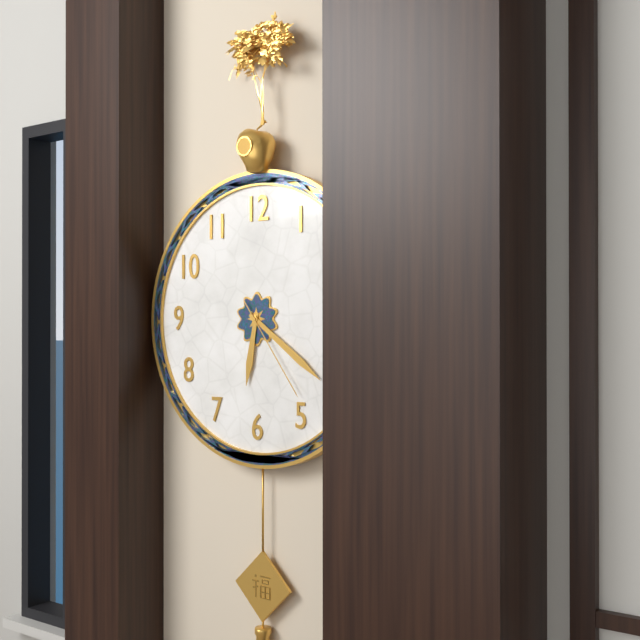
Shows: 6:21:24
